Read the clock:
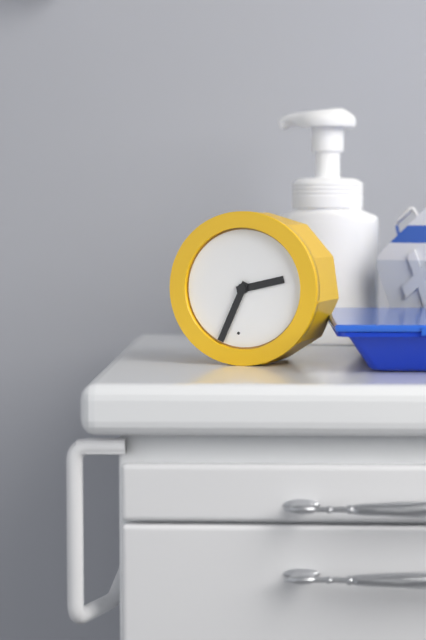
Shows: 2:34
